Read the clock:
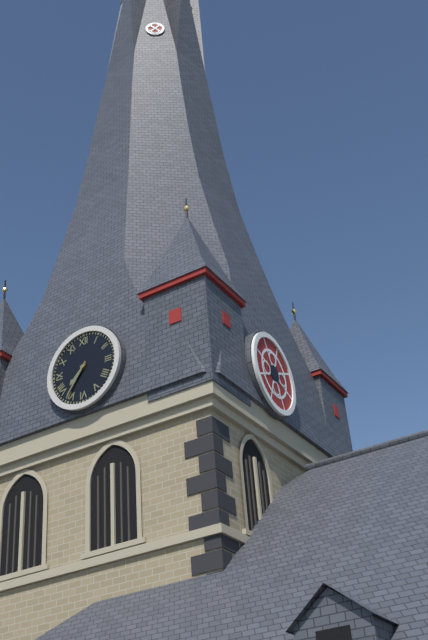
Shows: 7:36
